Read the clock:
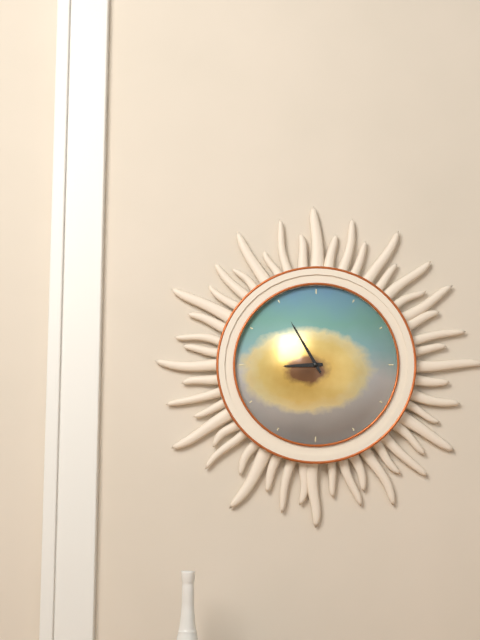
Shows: 8:55
